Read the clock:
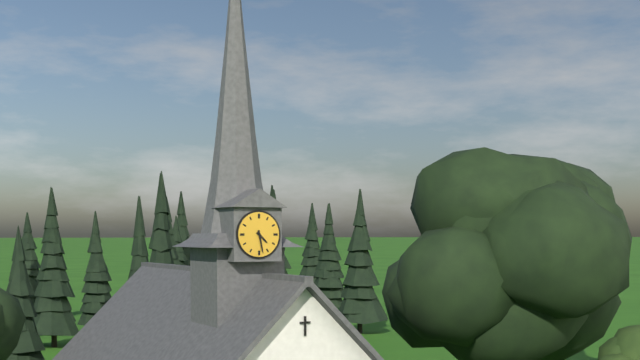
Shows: 4:28
